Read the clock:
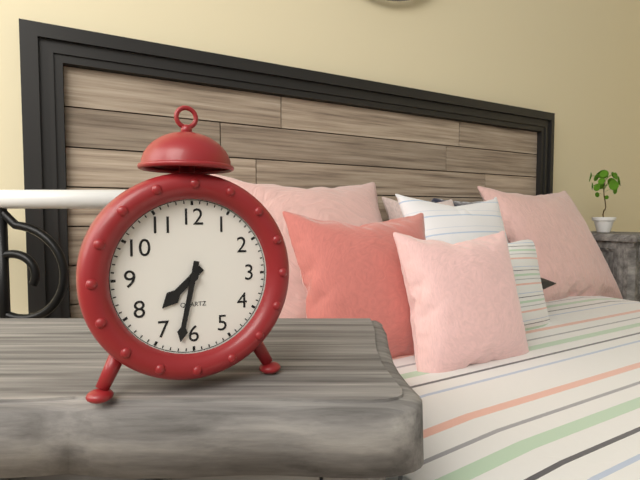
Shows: 7:32
